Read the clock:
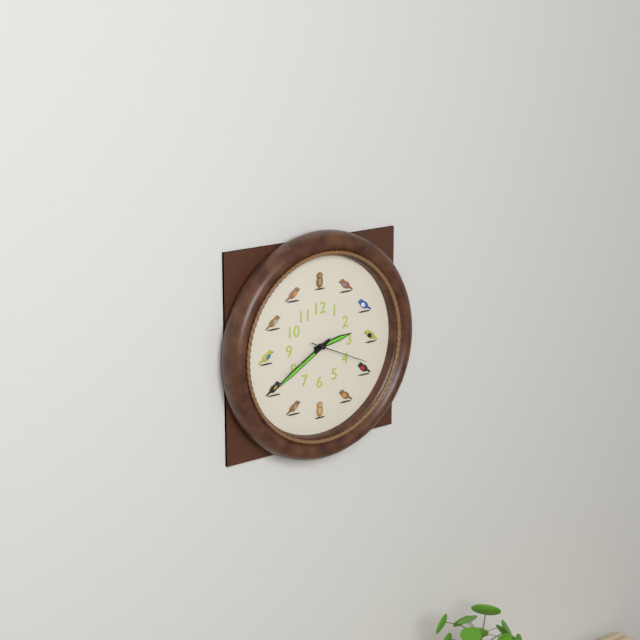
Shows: 2:40:19
